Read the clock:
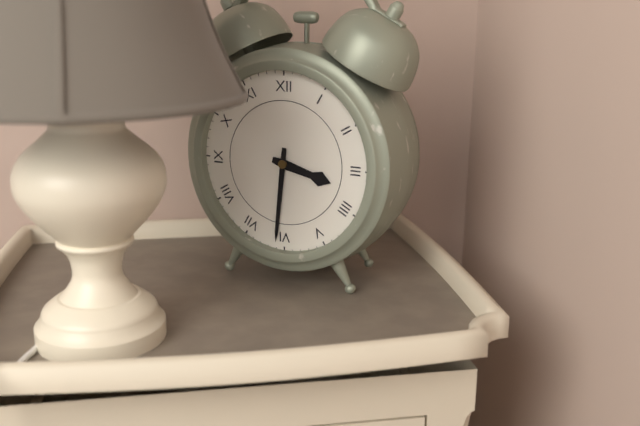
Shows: 3:31
